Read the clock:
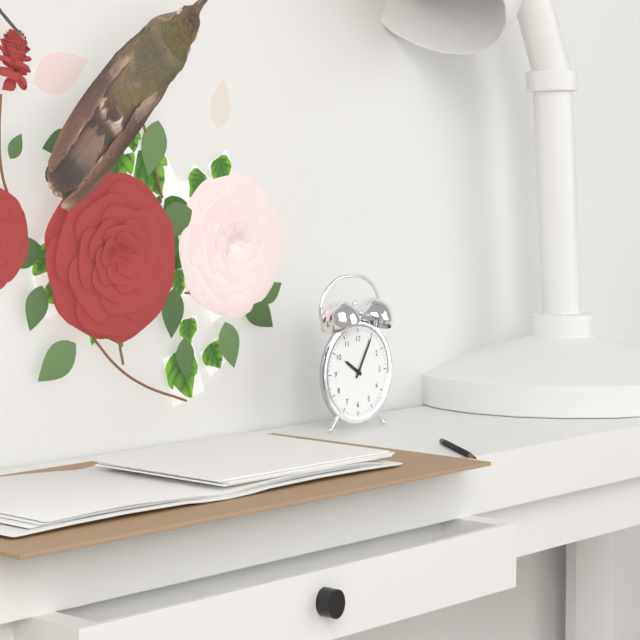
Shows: 10:05
